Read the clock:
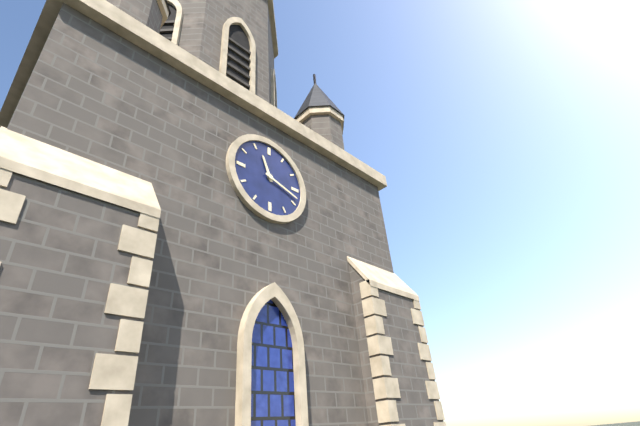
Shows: 11:18
